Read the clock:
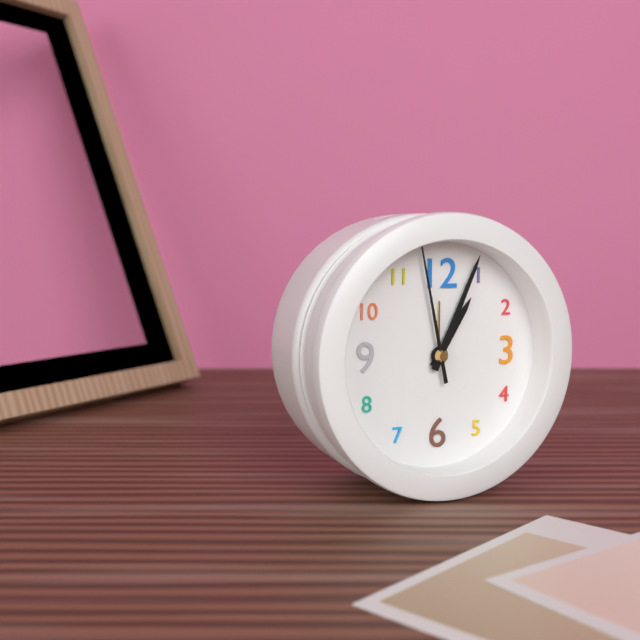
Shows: 1:04:58
